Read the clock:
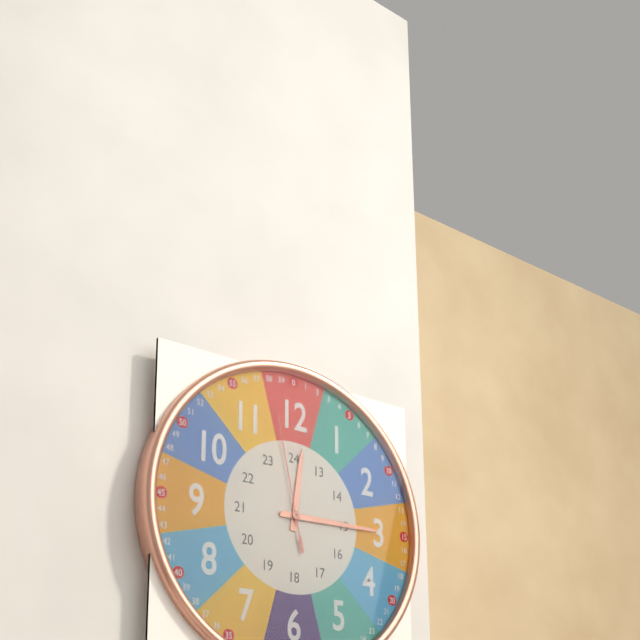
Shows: 12:15:58
